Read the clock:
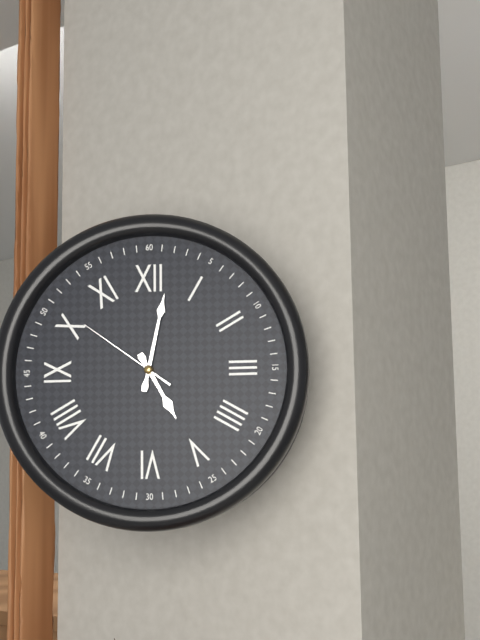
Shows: 5:02:51
